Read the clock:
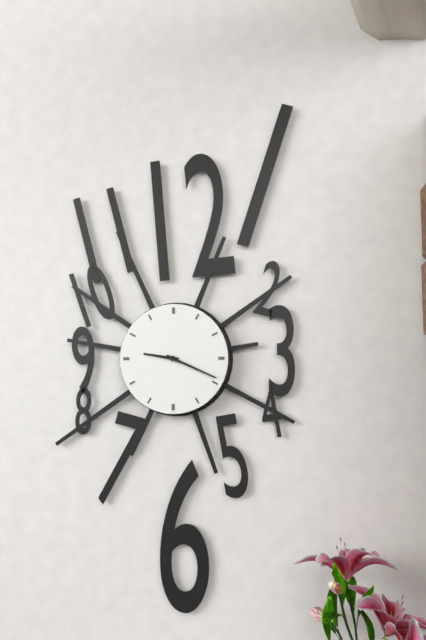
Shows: 9:19
